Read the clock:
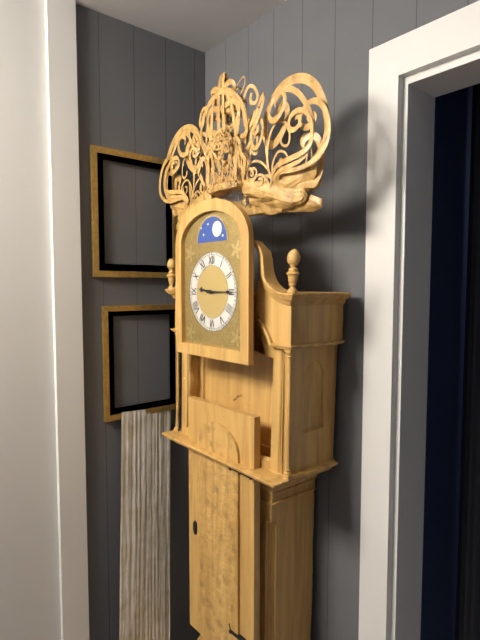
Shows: 9:15
